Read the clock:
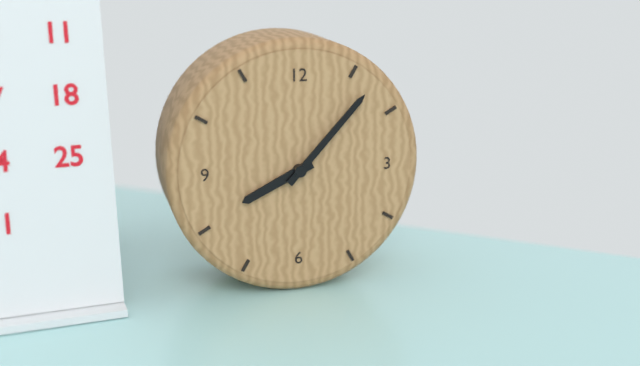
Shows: 8:07
